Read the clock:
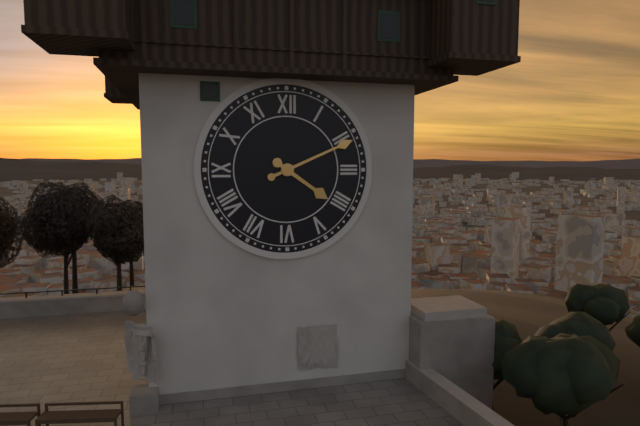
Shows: 4:11
